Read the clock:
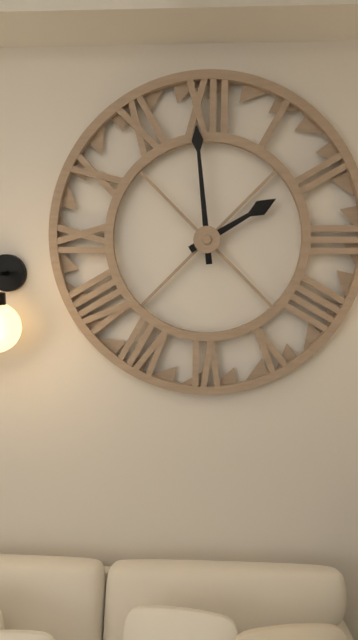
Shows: 1:59
